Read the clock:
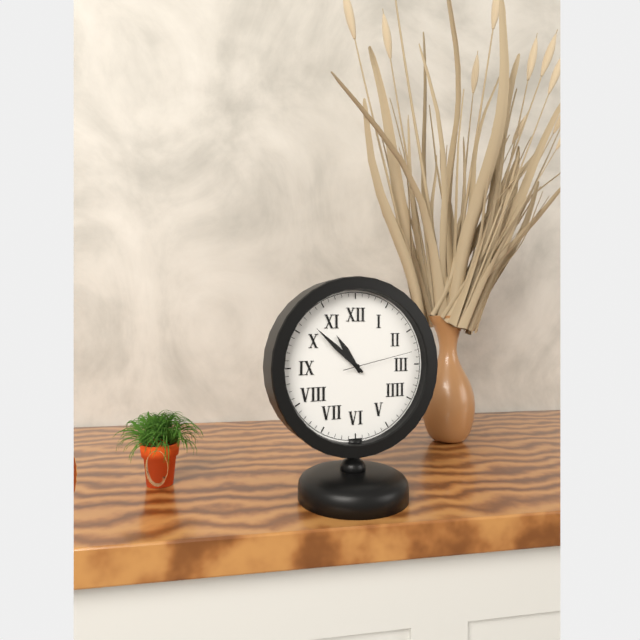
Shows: 10:52:13
